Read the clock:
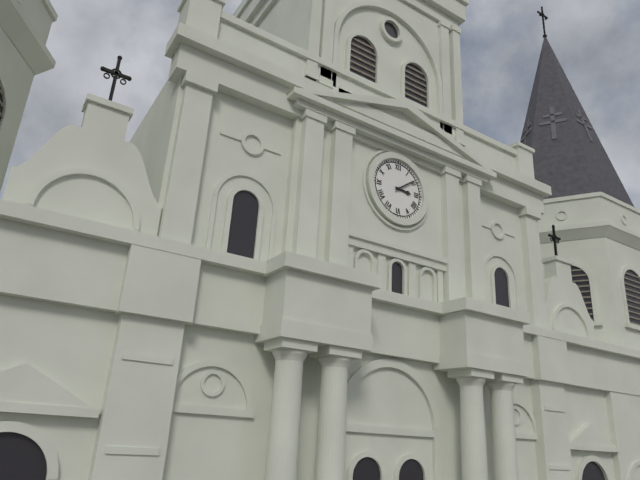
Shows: 3:09
